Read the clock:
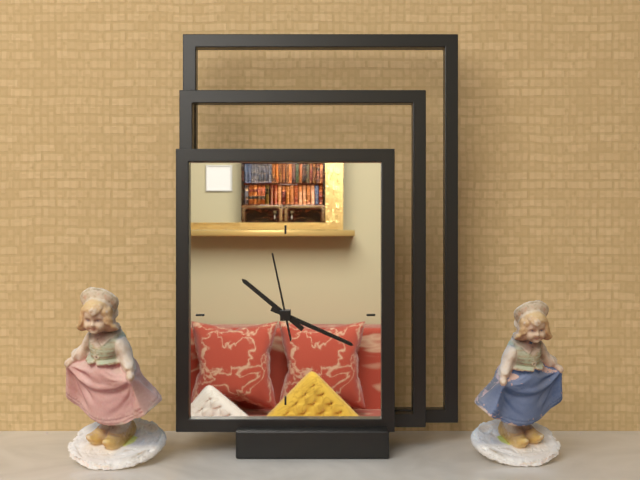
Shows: 10:19:58
